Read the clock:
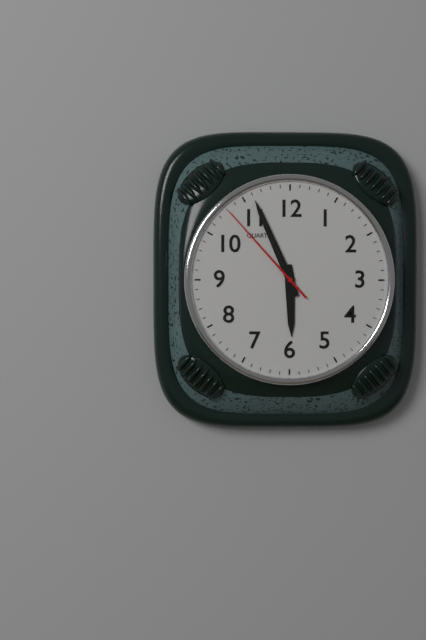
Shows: 5:56:53
